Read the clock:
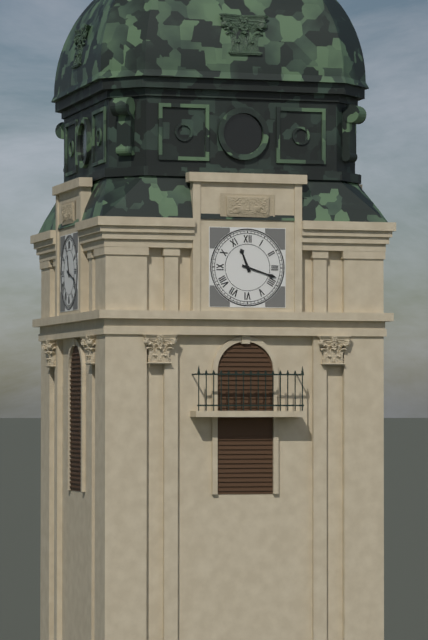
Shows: 11:18
